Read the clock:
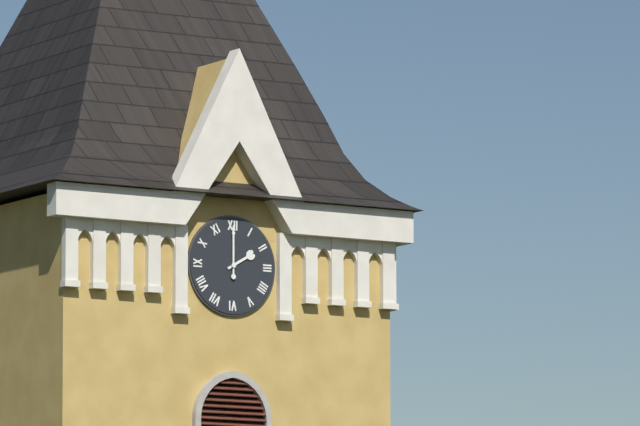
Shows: 2:00
